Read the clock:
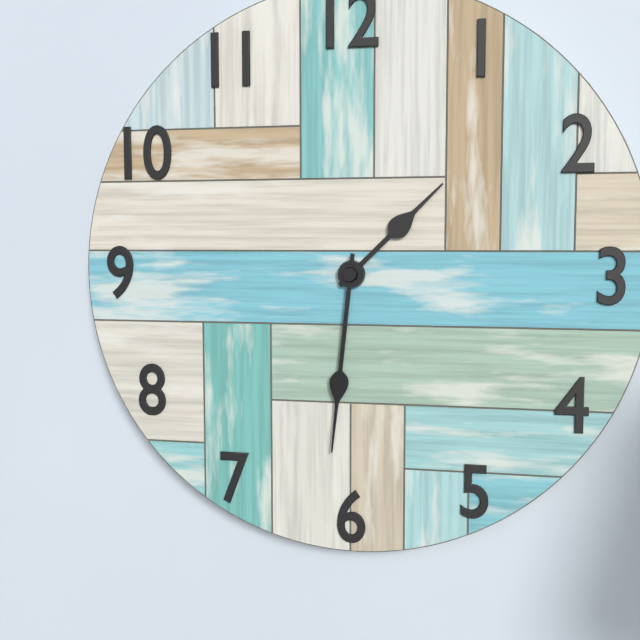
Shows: 1:31
